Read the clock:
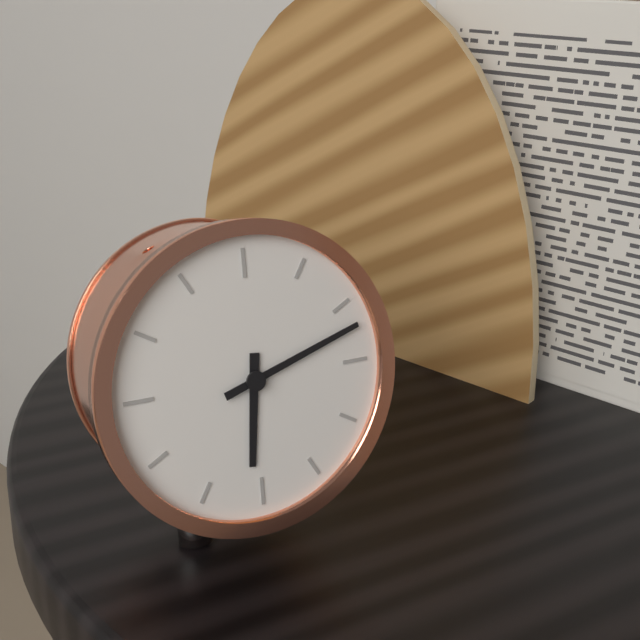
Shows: 6:12
